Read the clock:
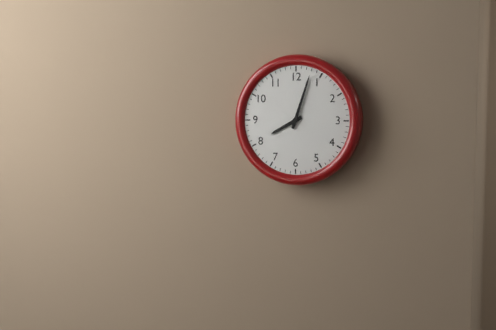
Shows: 8:03
